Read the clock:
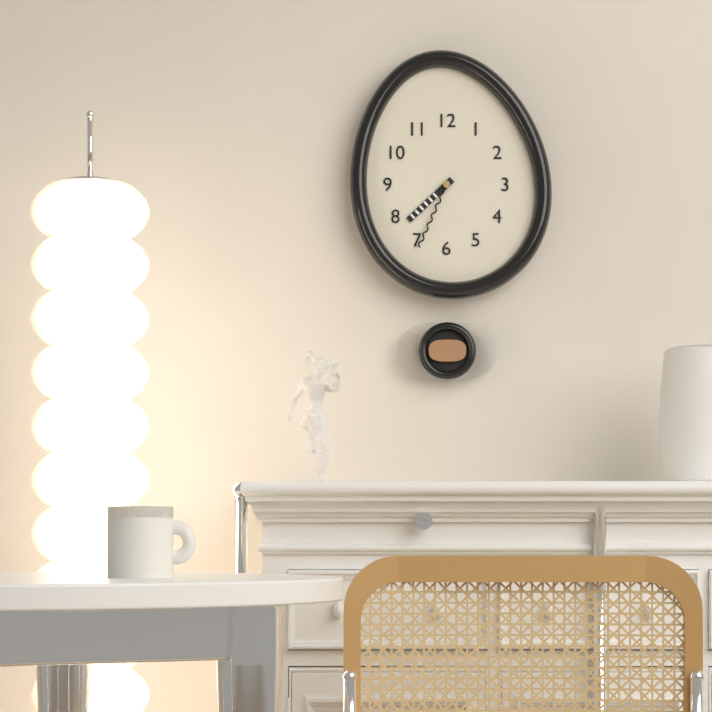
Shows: 7:34
